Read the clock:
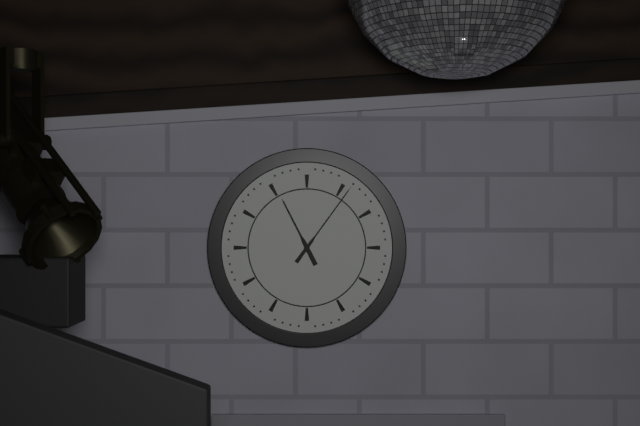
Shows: 11:06
